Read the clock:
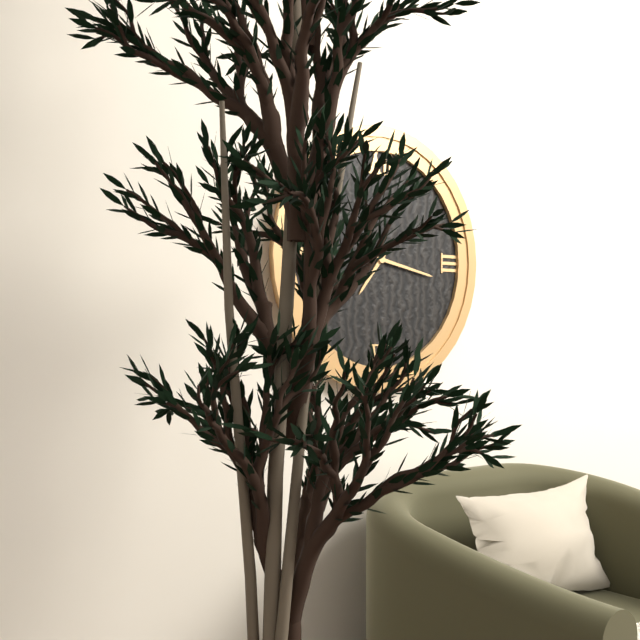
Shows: 7:17
